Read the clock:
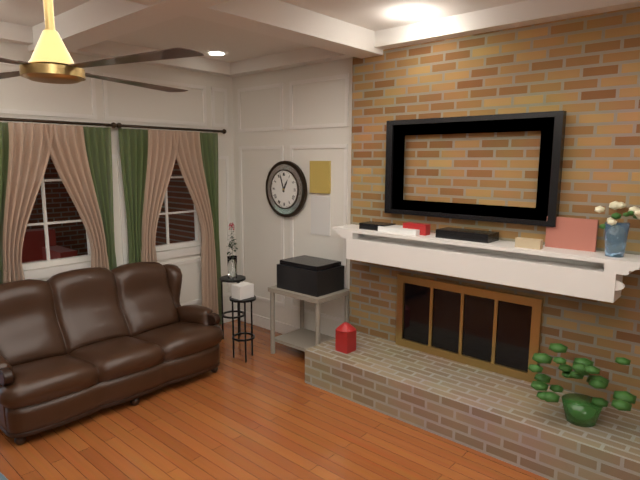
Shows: 12:57
